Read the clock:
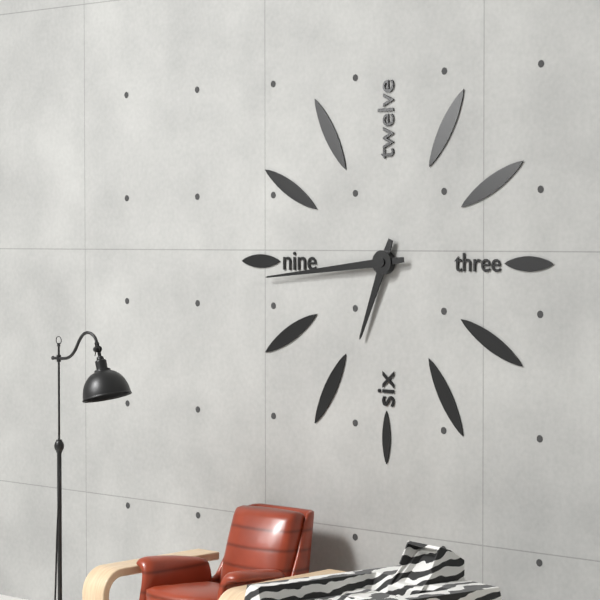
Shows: 6:44
